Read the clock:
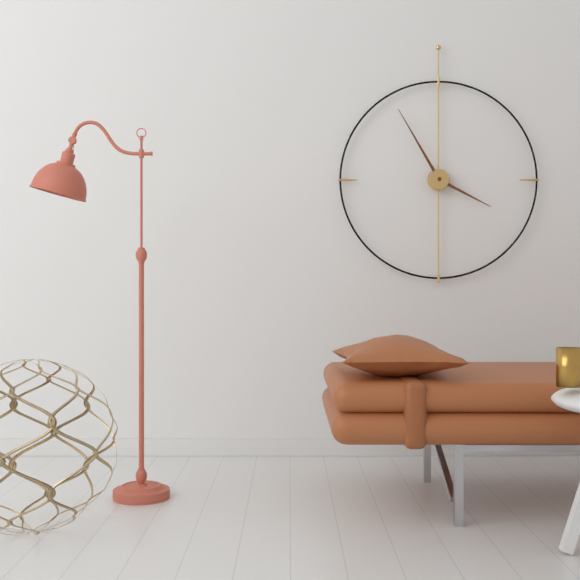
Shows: 3:55
